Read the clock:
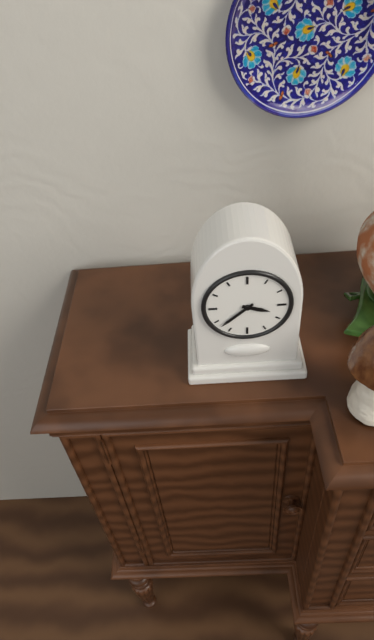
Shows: 3:38
